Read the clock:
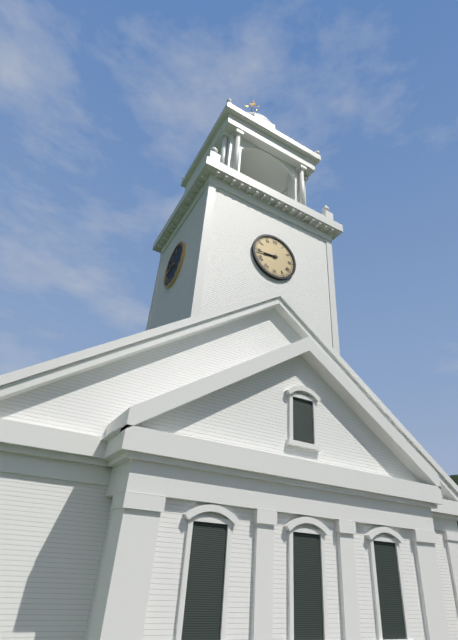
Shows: 8:44
